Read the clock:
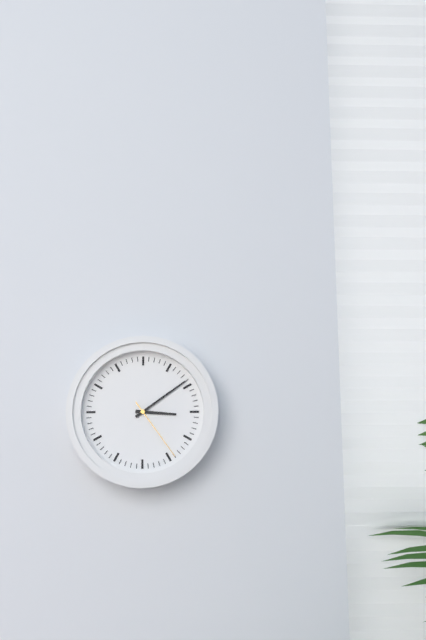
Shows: 3:09:24
